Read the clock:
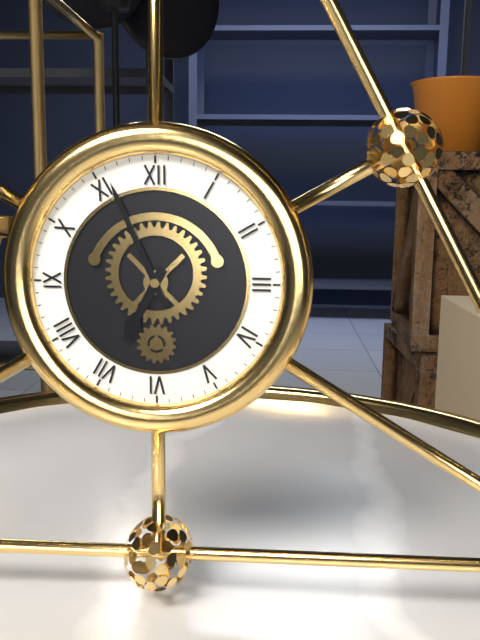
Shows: 6:56
